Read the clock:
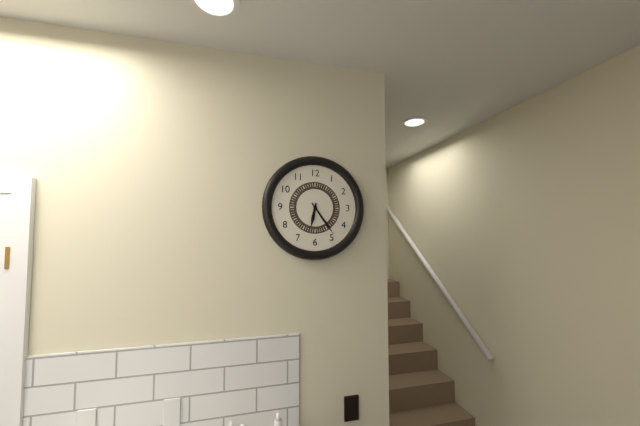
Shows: 6:24
